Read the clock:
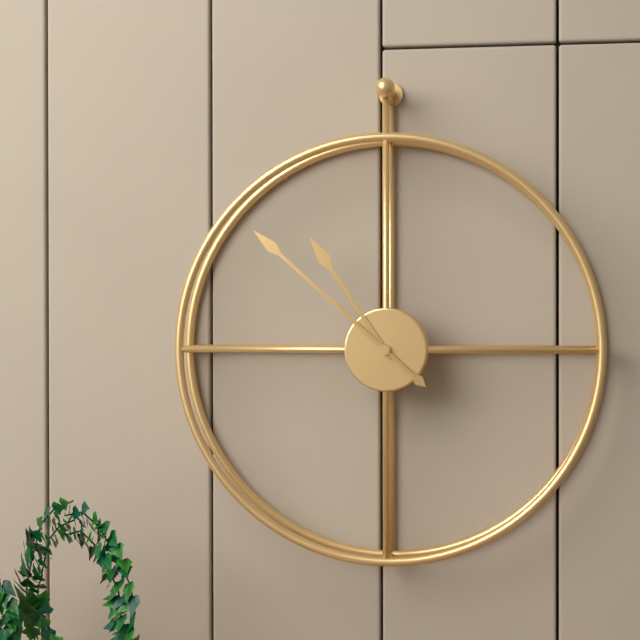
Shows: 10:52
